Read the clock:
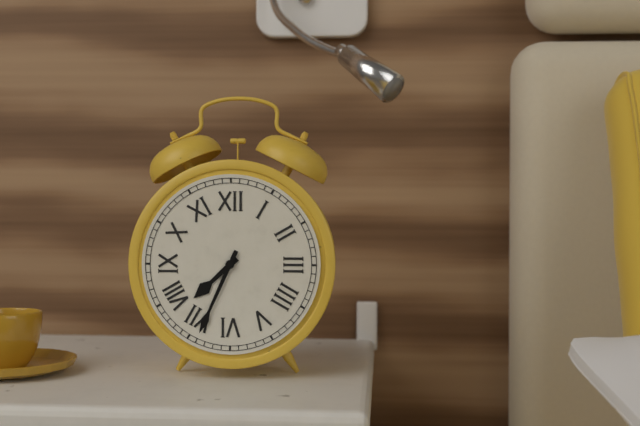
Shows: 7:34
